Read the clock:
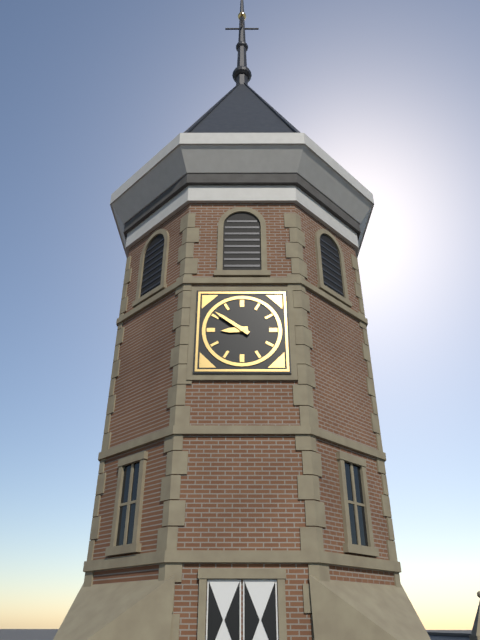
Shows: 8:51
